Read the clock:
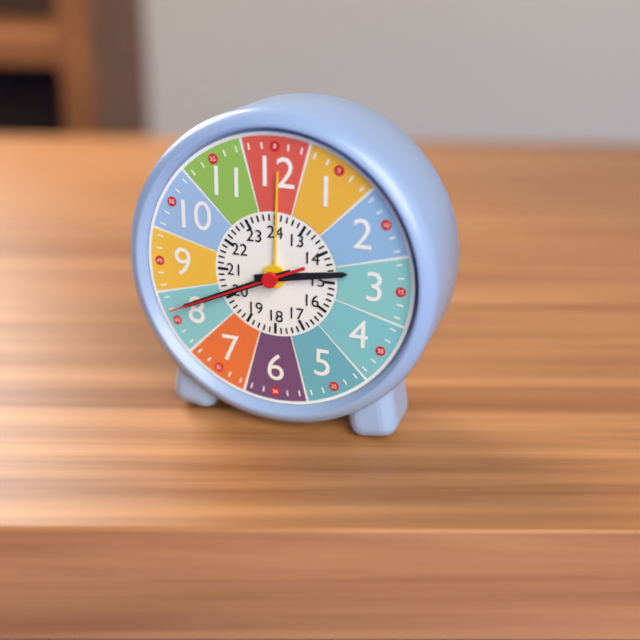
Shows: 2:41:41
